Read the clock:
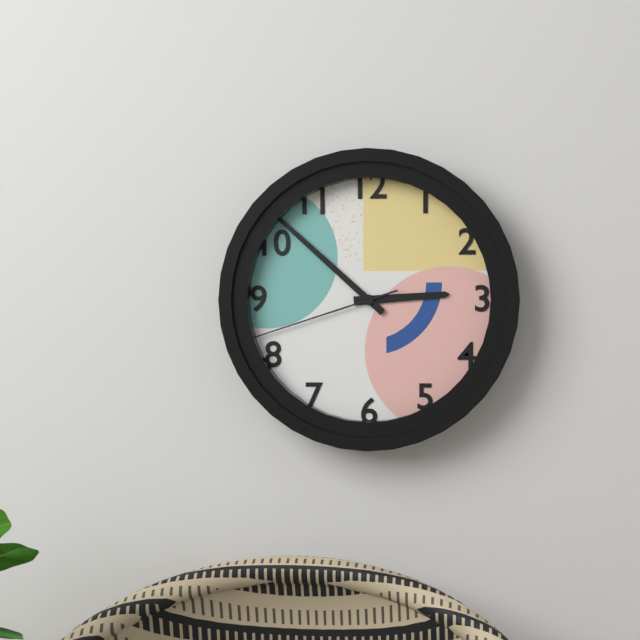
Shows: 2:52:42
